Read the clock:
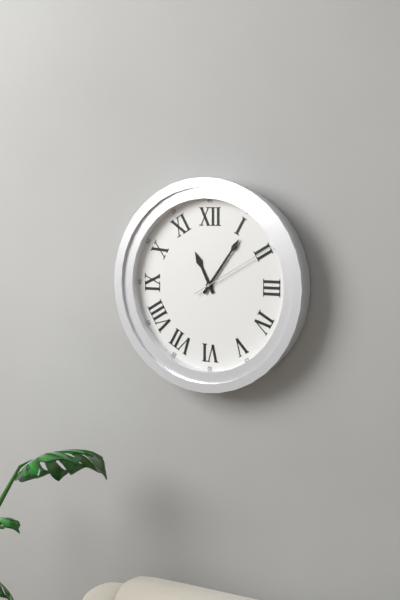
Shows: 11:06:10
